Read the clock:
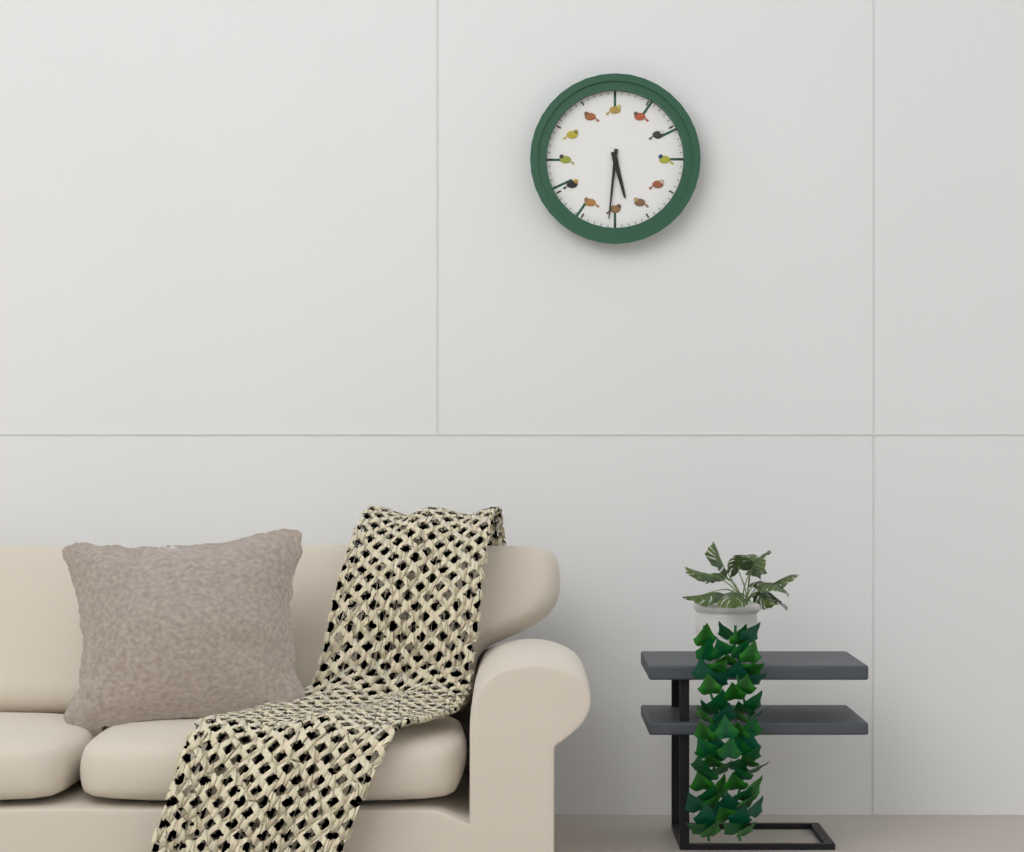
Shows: 5:31
